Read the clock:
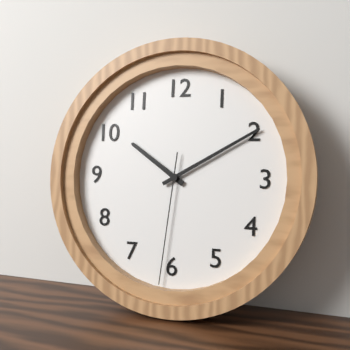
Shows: 10:10:31
